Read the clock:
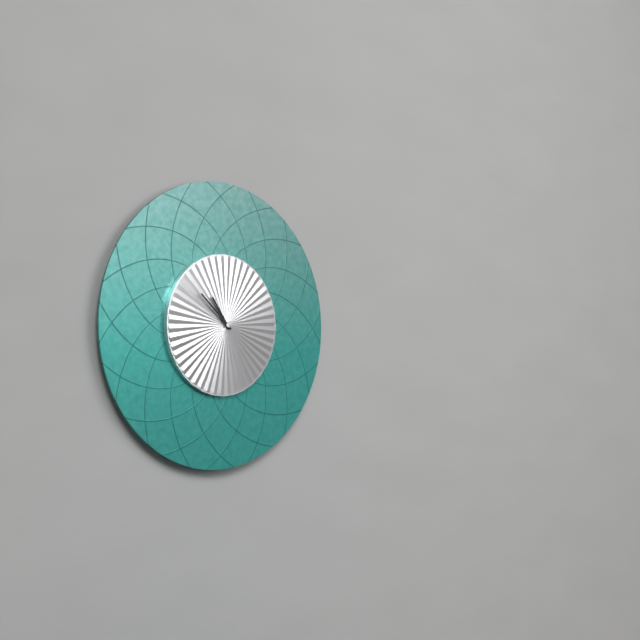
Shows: 10:52
